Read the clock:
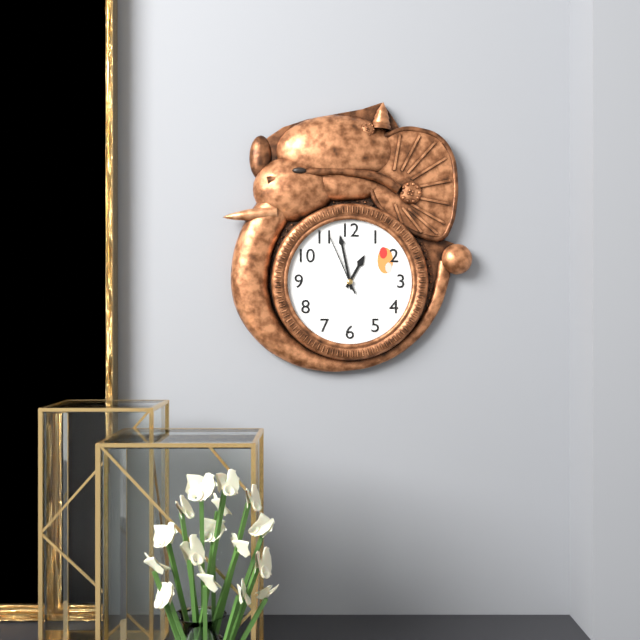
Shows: 12:58:56
